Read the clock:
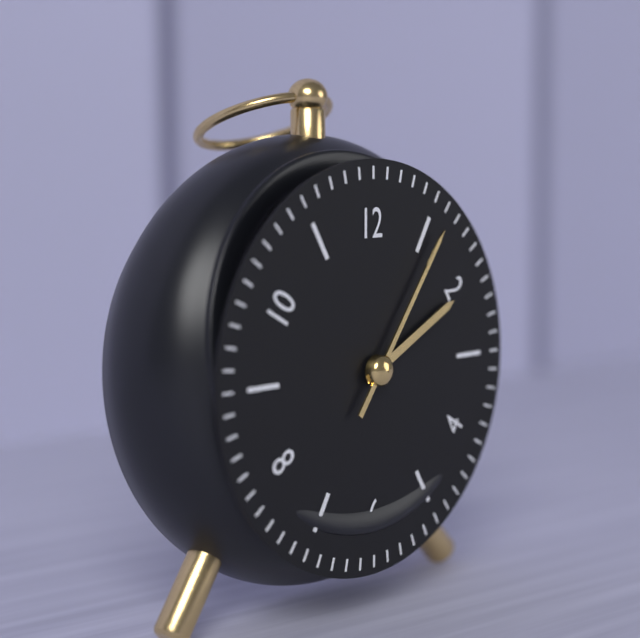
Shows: 2:06
